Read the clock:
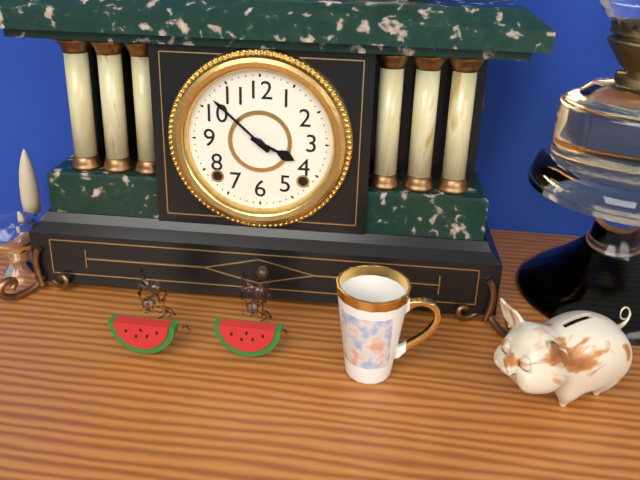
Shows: 3:52
